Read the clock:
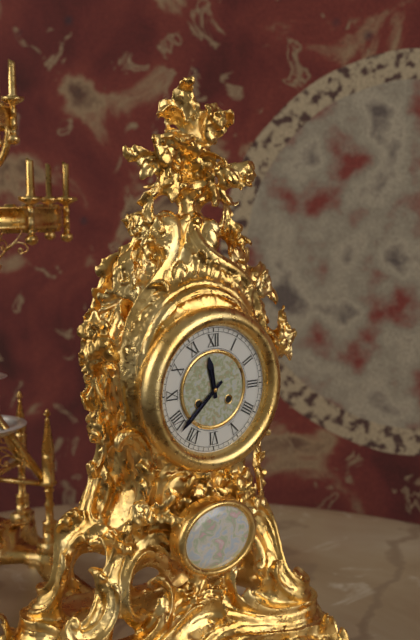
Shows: 11:38
